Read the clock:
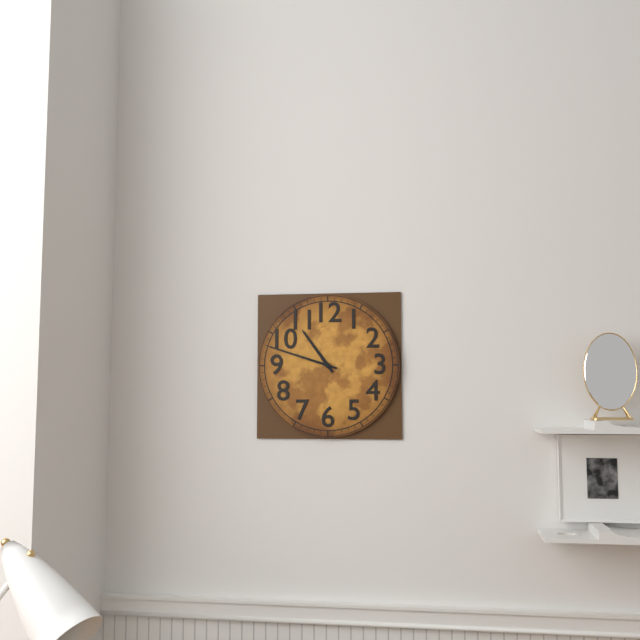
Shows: 10:48
